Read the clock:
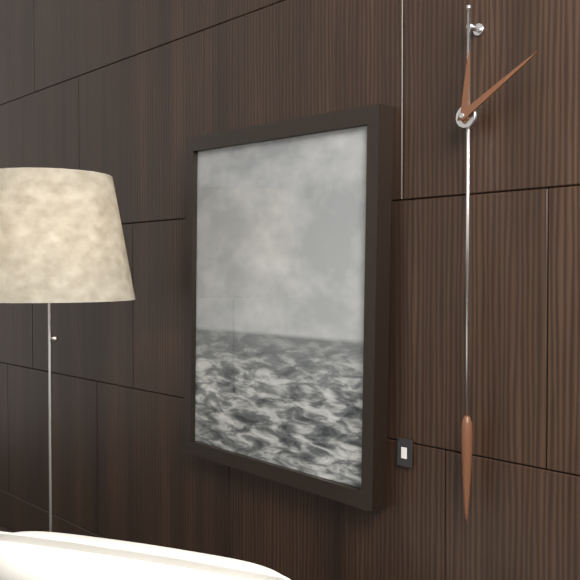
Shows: 12:10
